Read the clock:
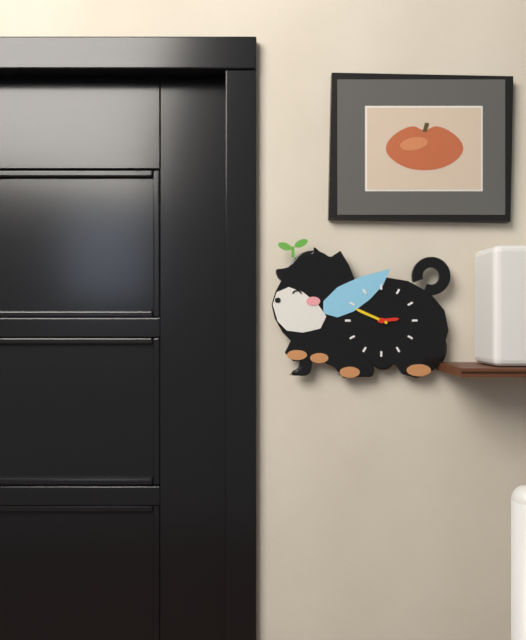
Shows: 2:49
